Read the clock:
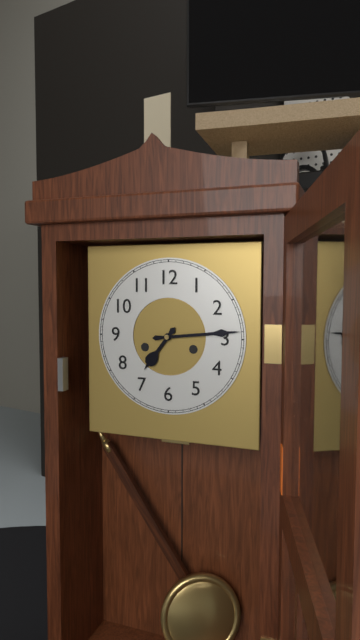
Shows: 7:14
